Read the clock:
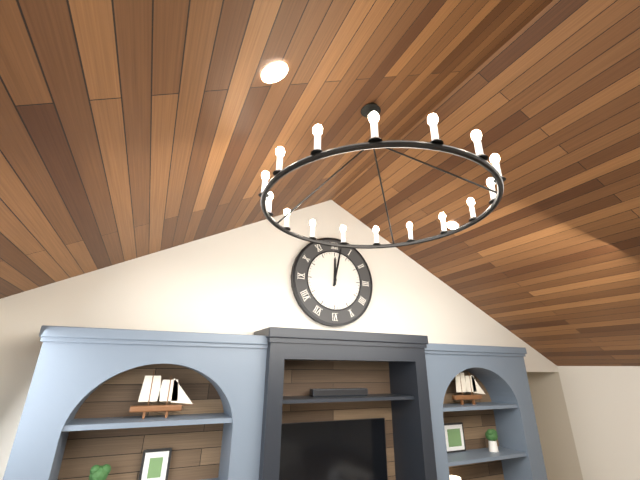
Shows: 12:02
